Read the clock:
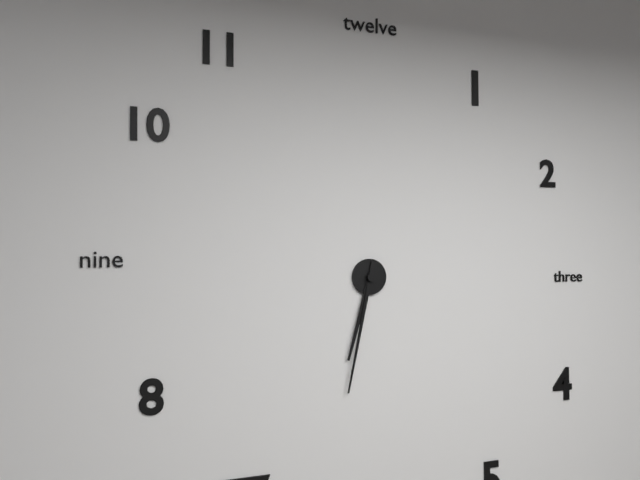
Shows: 6:32
